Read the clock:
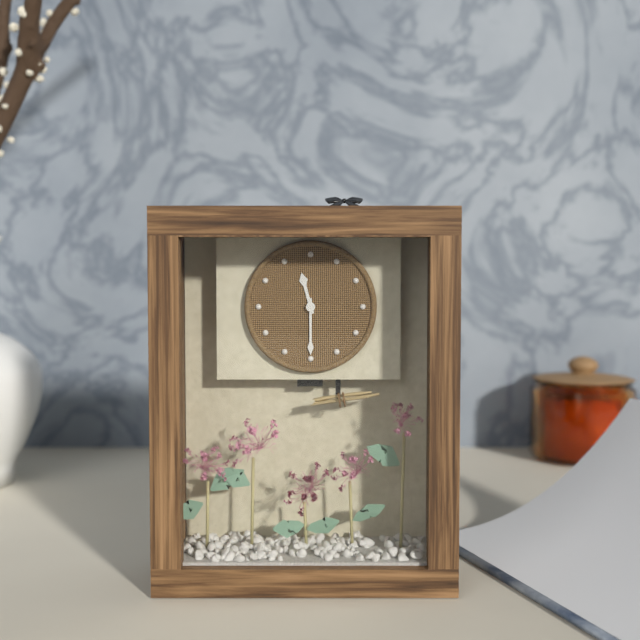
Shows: 11:30
